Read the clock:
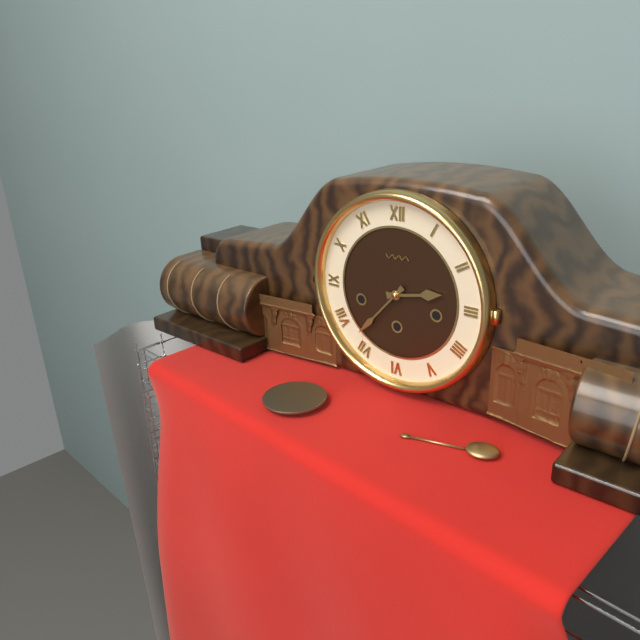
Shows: 2:37
